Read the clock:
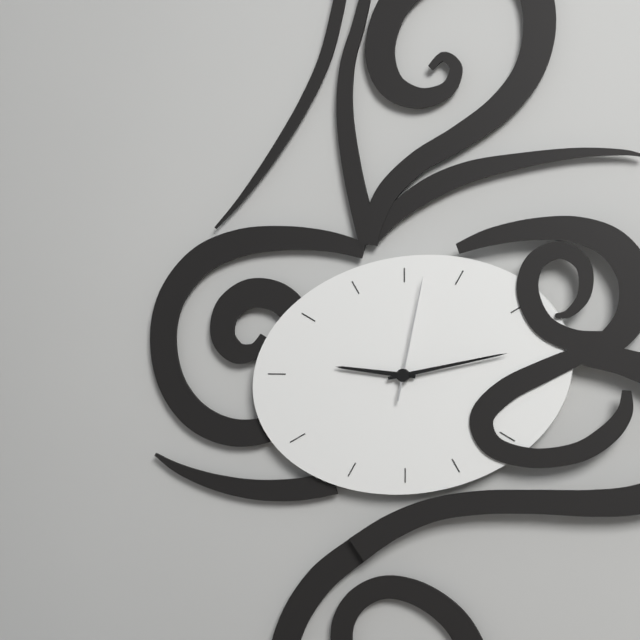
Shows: 9:13:02
